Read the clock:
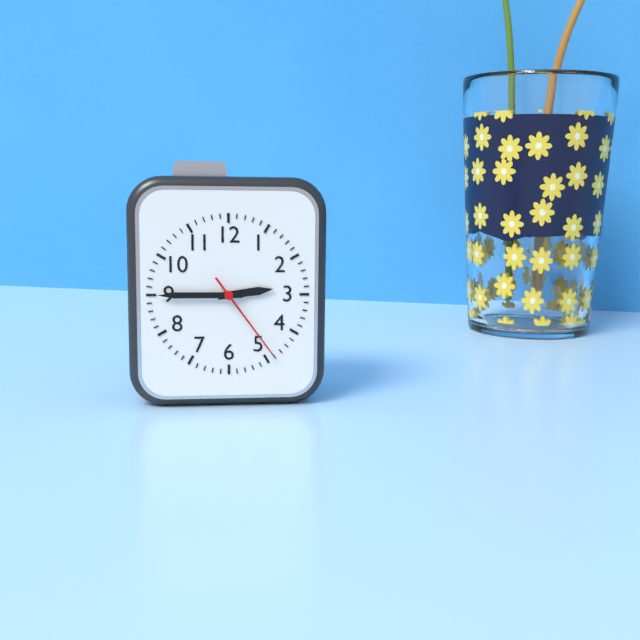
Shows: 2:45:24
